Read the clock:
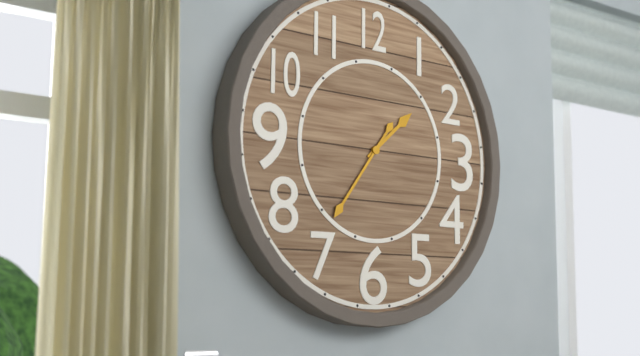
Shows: 1:36
